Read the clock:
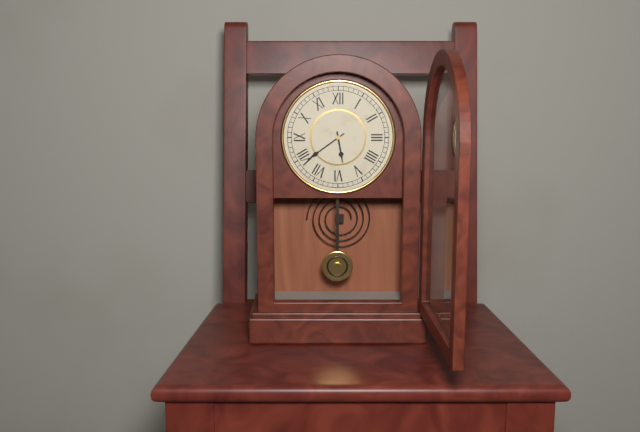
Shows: 5:39
